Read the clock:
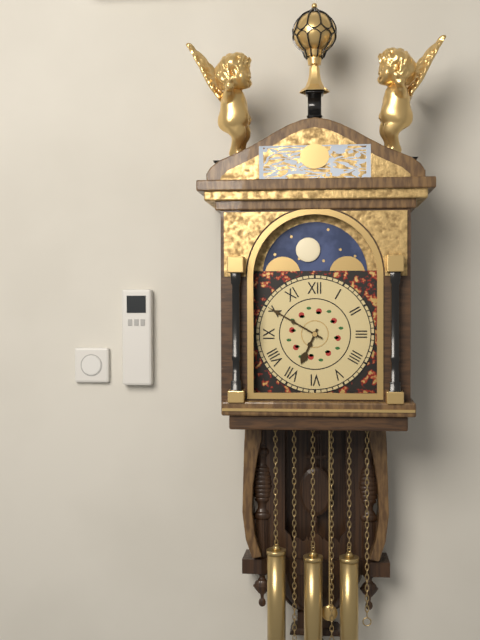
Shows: 6:50
